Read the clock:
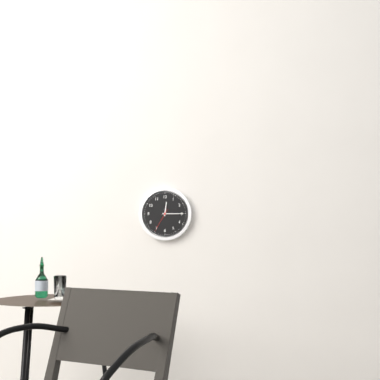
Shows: 12:15
